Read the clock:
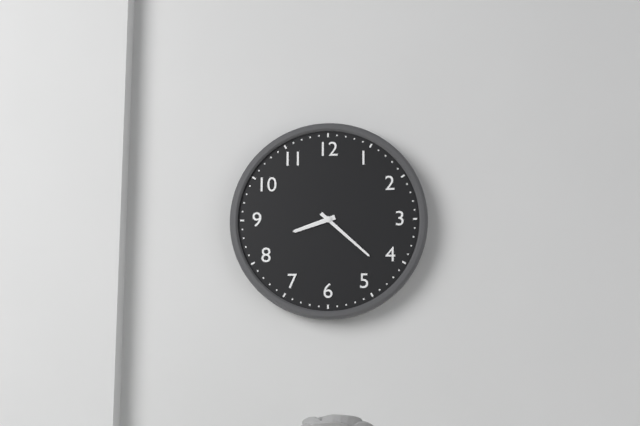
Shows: 8:22
